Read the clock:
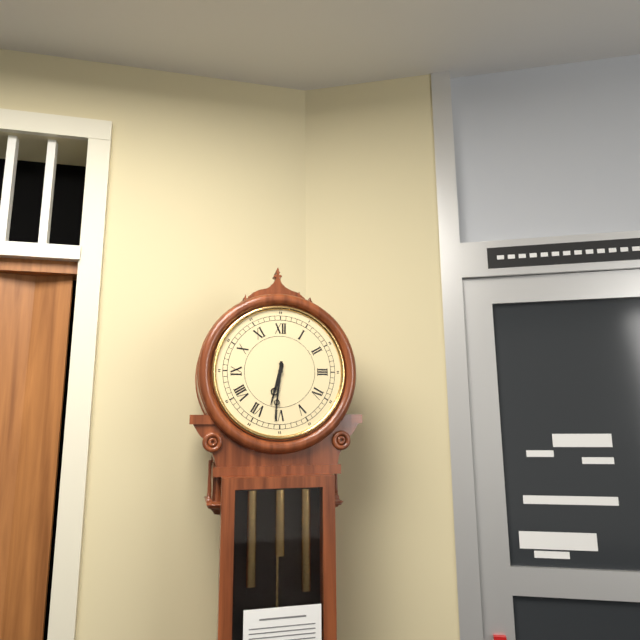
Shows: 6:31
